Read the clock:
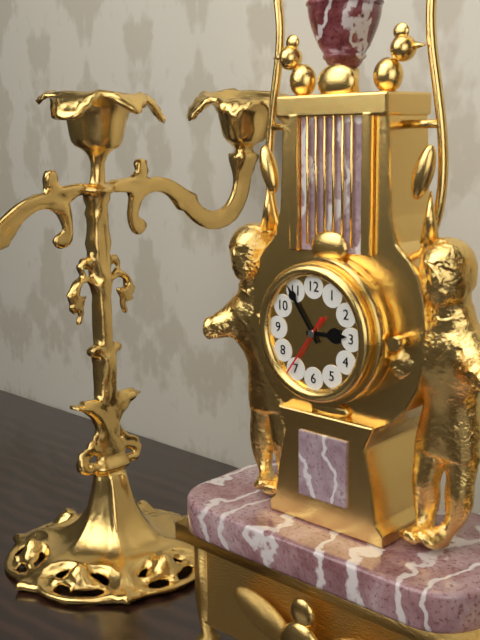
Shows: 2:54:36
